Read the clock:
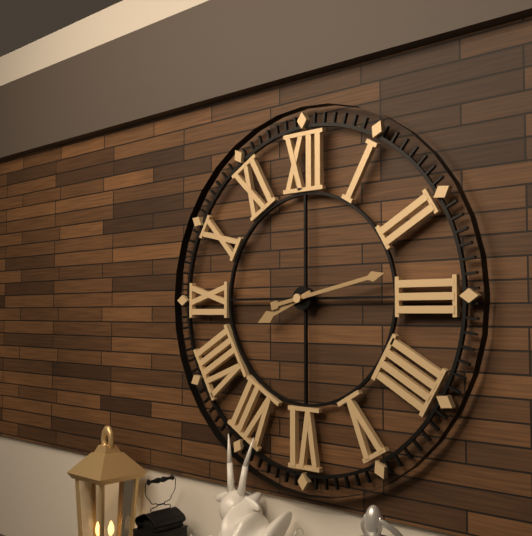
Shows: 8:13
